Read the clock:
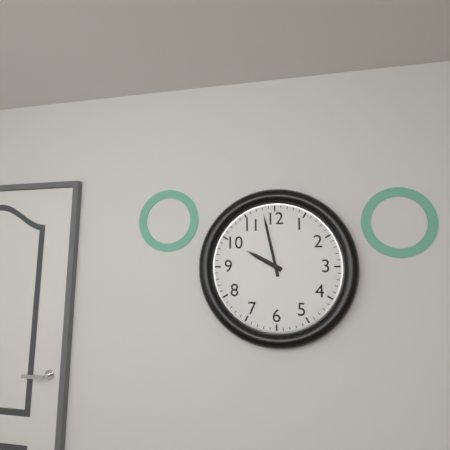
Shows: 9:58
